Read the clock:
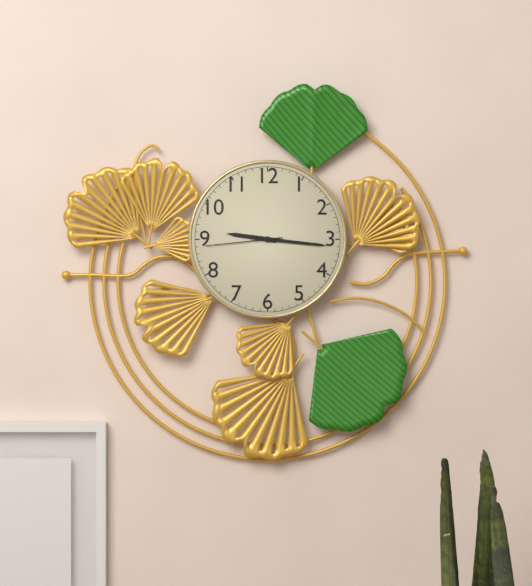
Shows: 9:16:44
